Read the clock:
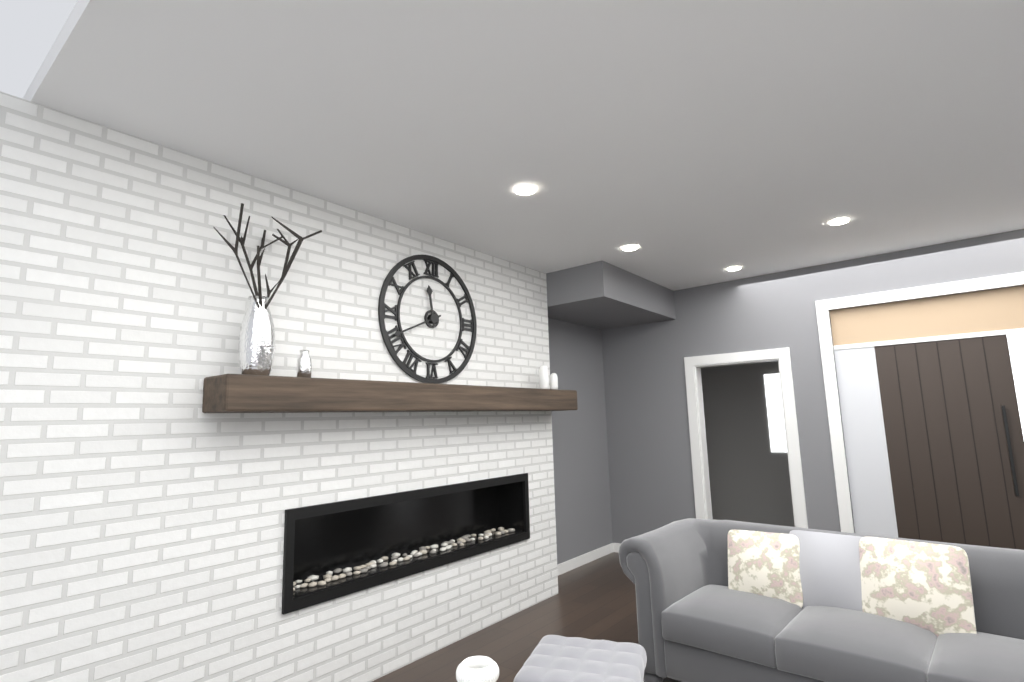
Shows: 11:41
